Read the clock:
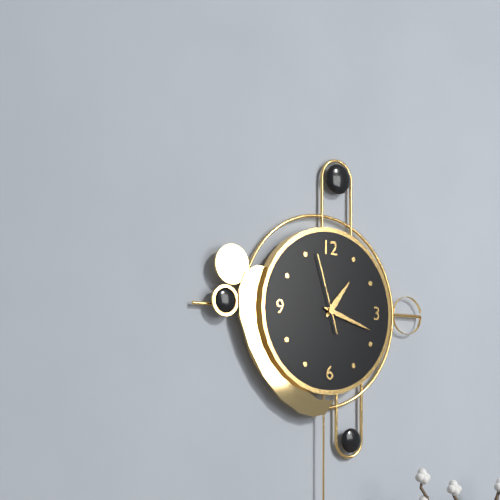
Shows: 1:18:57
